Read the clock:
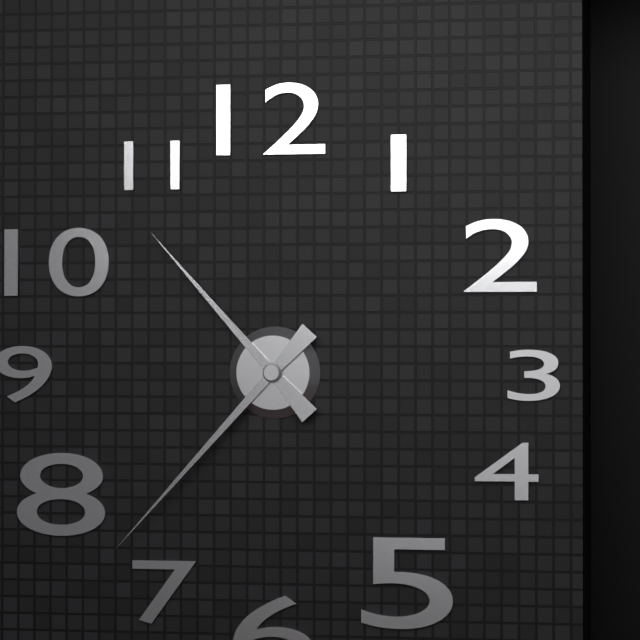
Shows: 10:37
